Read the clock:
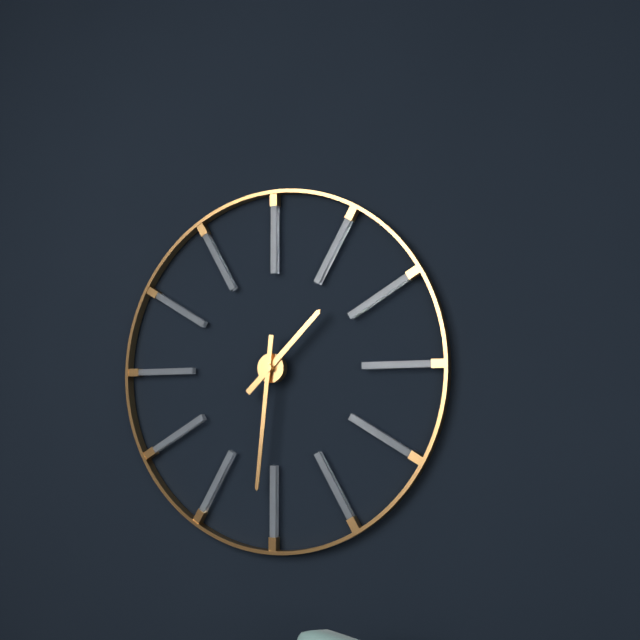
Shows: 1:31
